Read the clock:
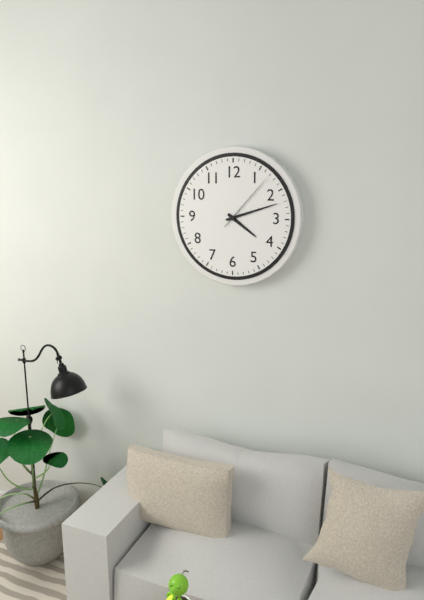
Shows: 4:12:07
